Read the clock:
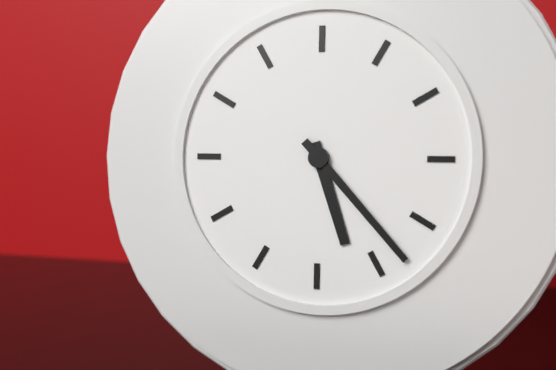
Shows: 5:23
